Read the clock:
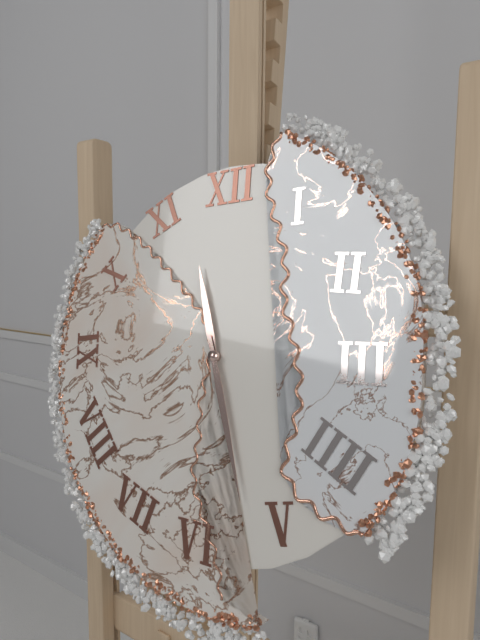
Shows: 11:27
